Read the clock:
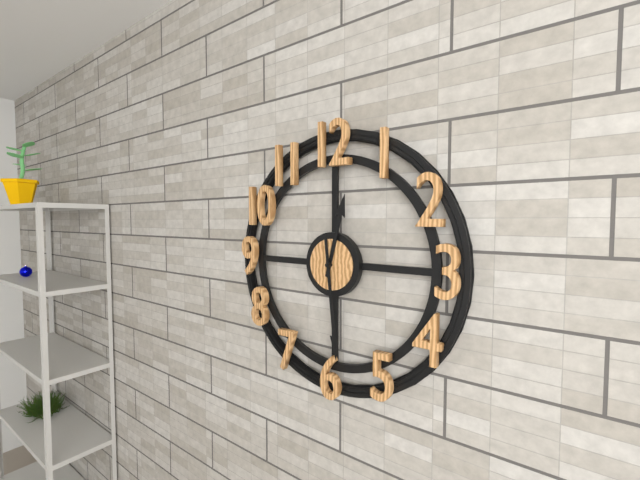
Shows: 12:29
